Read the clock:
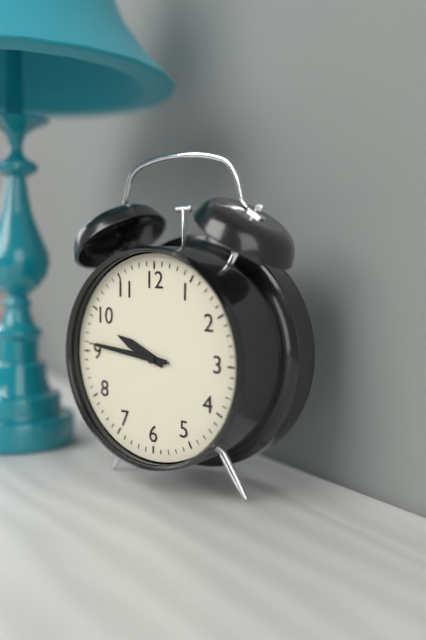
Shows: 9:46:46
